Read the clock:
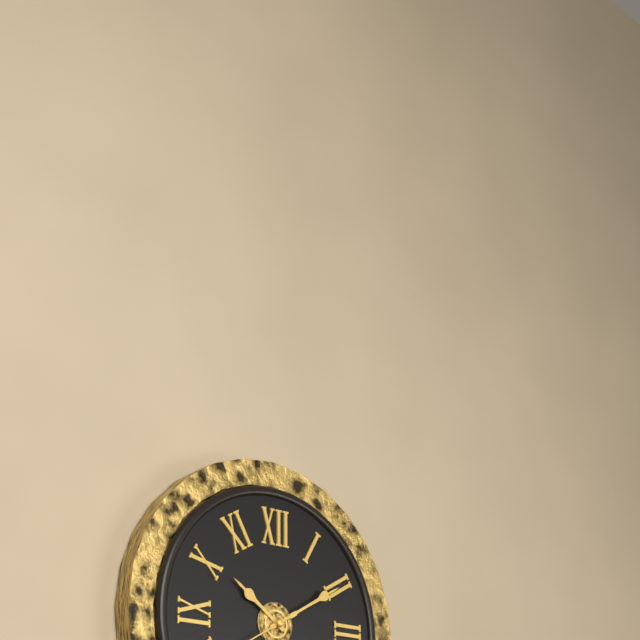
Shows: 10:10
